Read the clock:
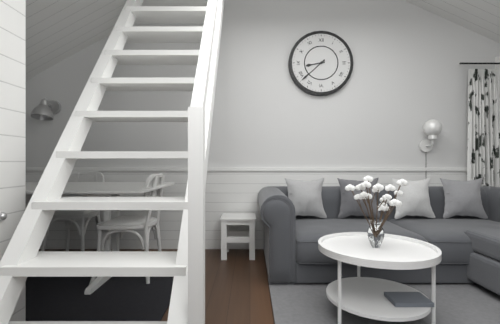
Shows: 8:38
